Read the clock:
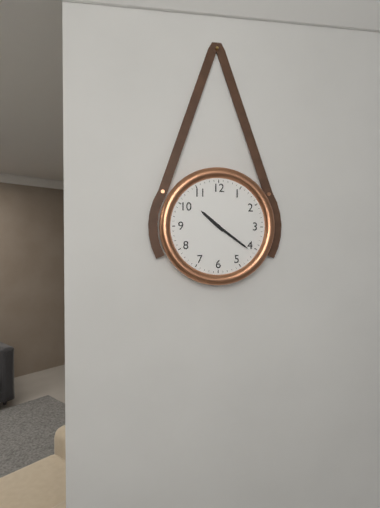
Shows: 10:21
